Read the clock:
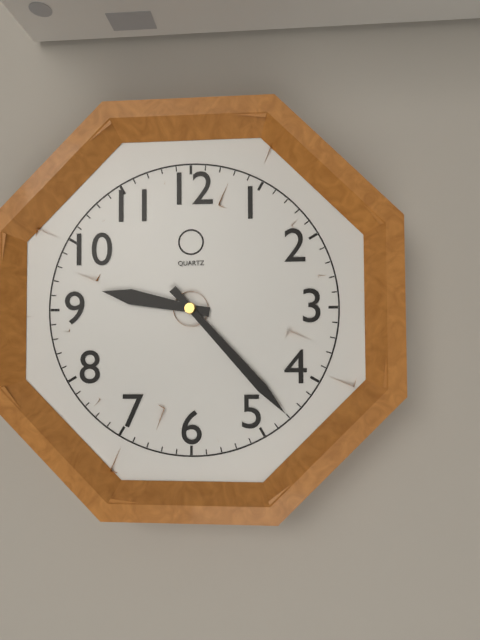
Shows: 9:23
